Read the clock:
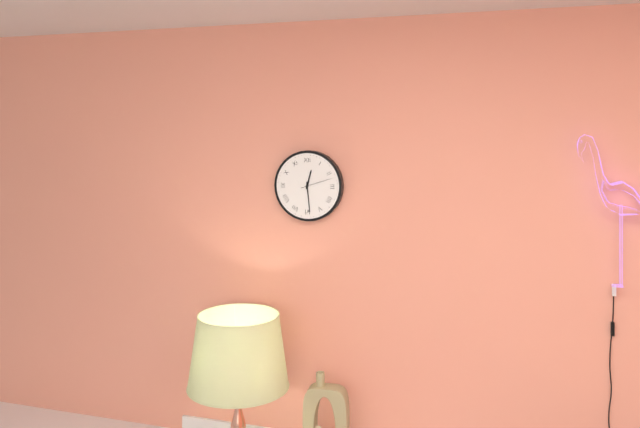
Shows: 12:29
